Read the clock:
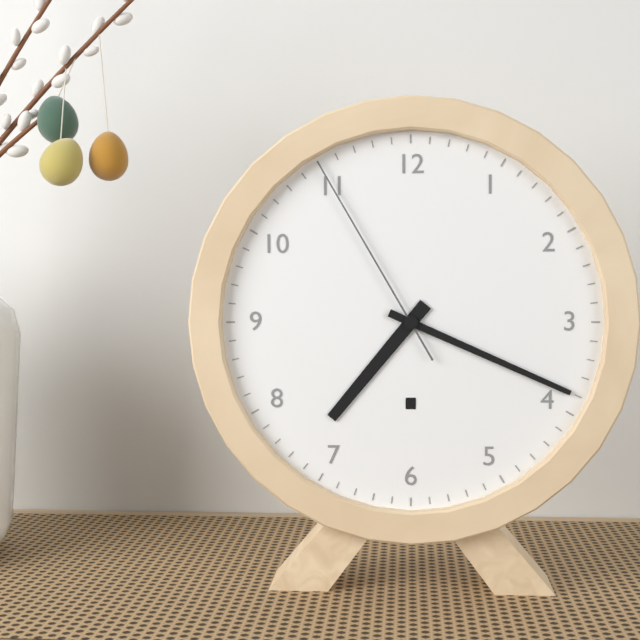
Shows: 7:19:55
